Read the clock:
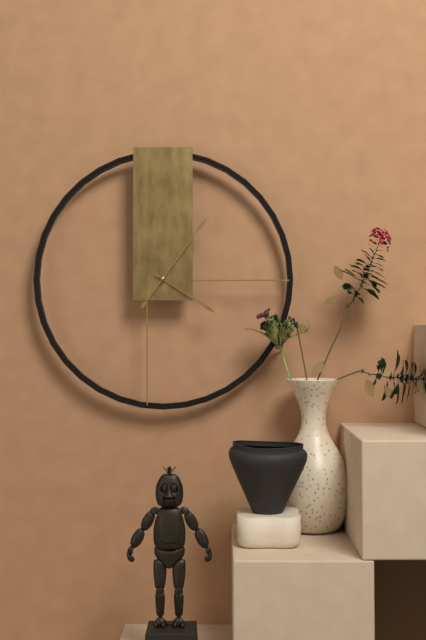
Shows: 4:06
